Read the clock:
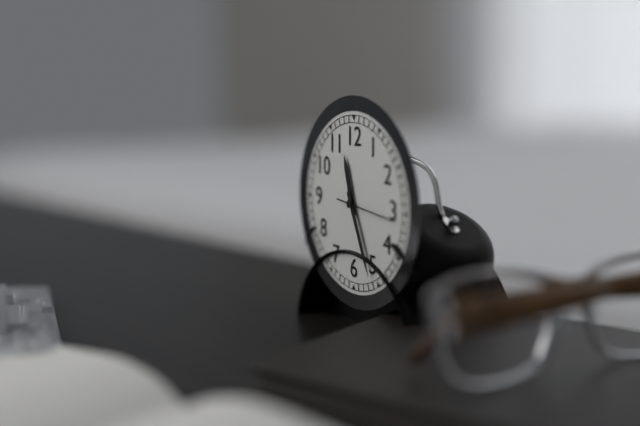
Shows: 11:26:16
